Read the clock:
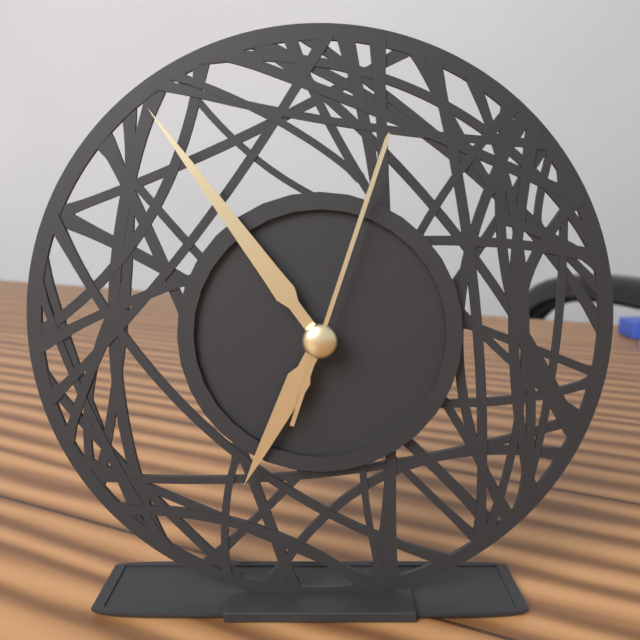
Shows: 6:54:03
